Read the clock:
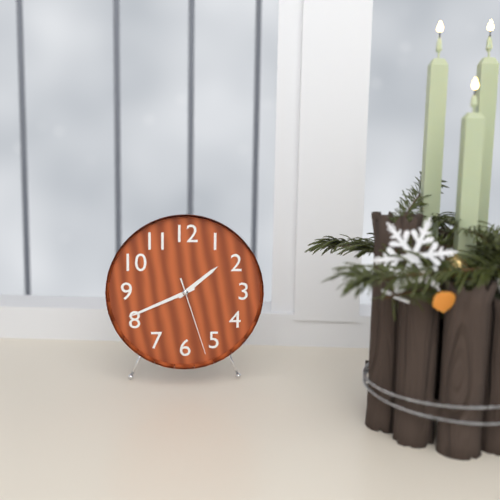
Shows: 1:41:27
